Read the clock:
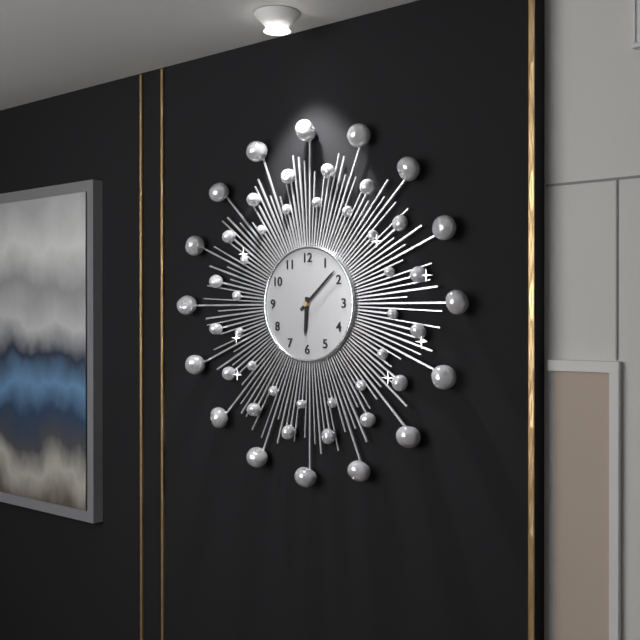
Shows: 6:08
